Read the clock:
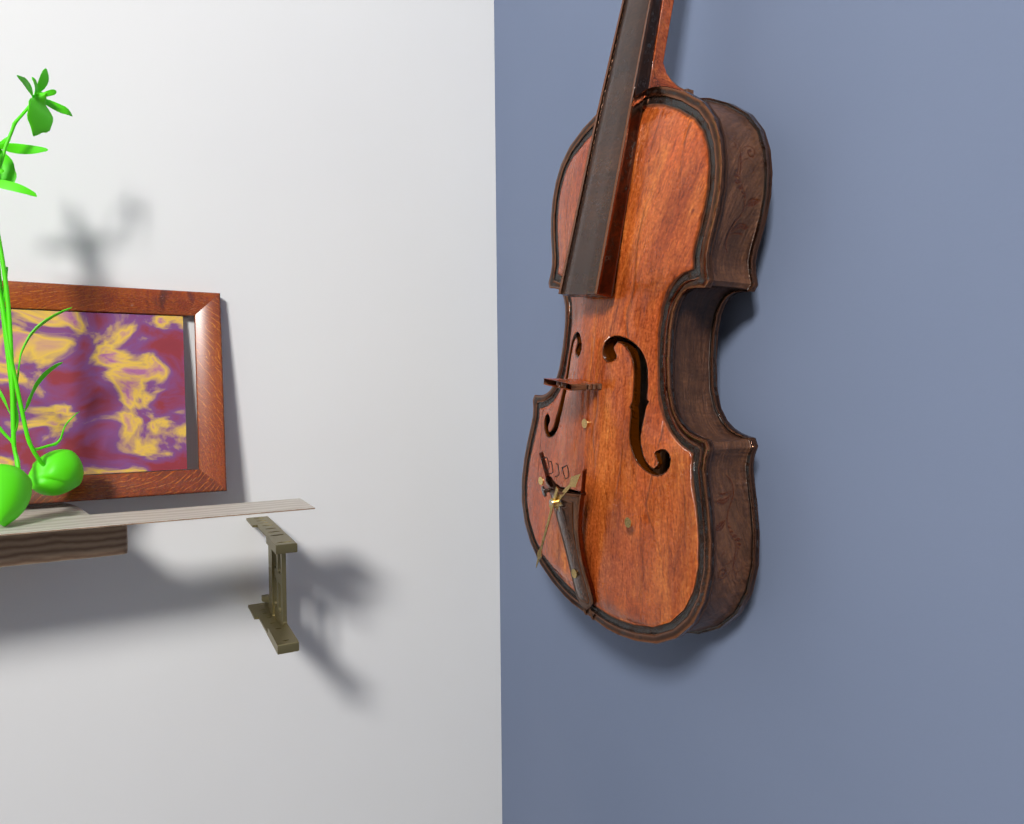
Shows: 1:33
